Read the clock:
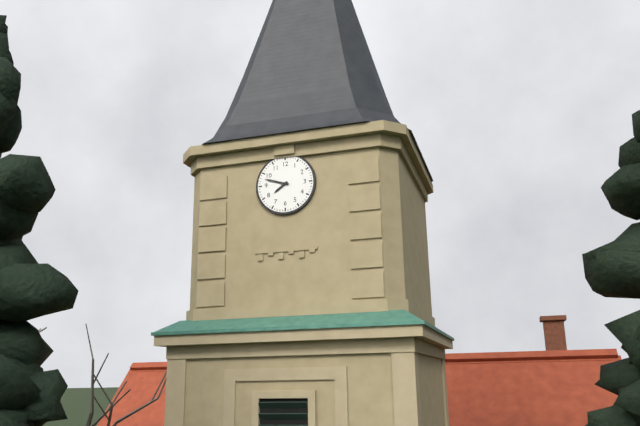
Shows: 7:48
